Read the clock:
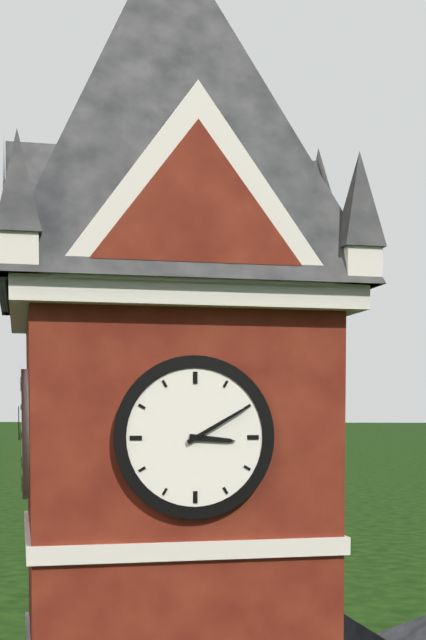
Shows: 3:10
